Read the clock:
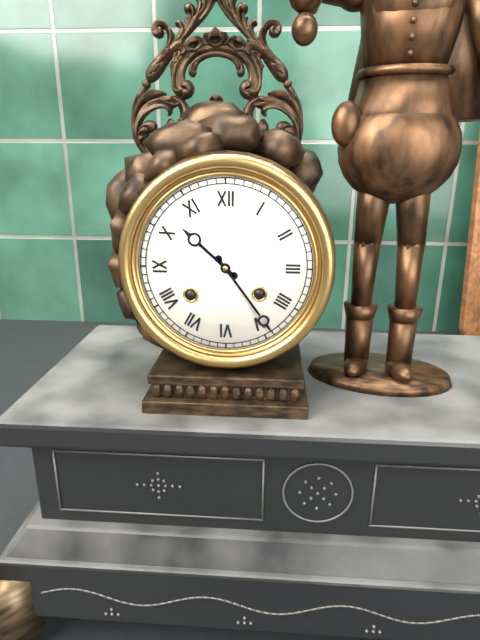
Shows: 10:24
